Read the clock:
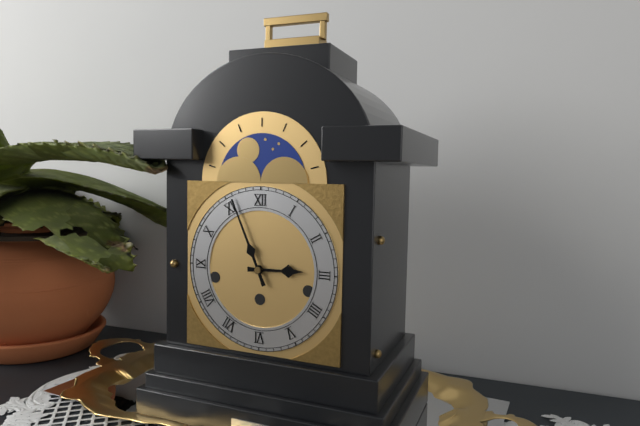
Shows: 2:56
